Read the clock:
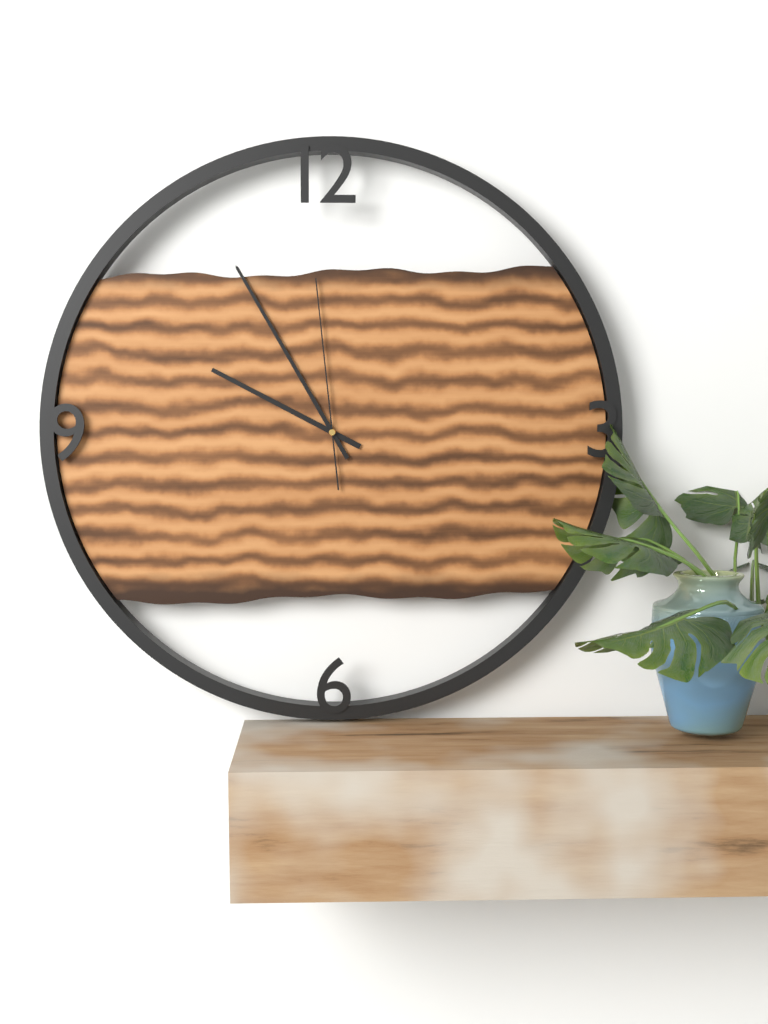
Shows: 9:55:59
